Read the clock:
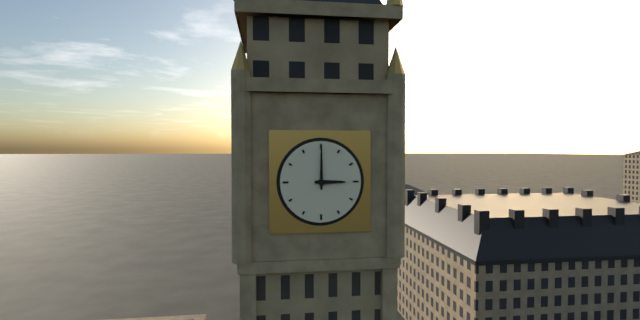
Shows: 3:00
